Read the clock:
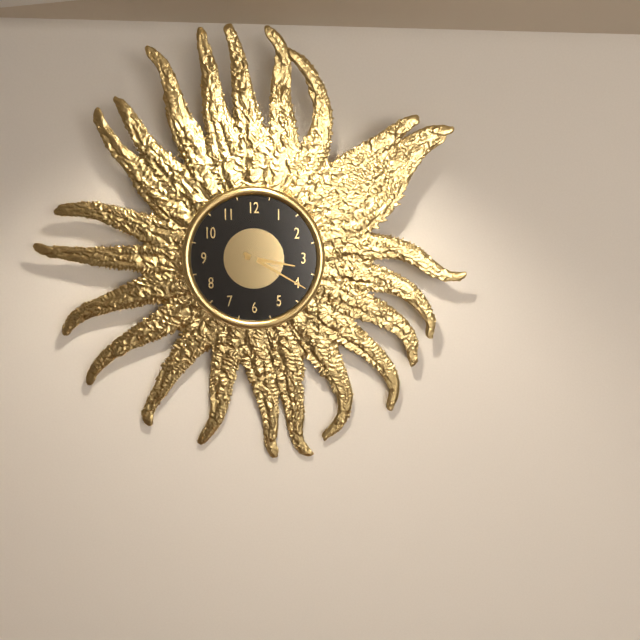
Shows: 3:20
